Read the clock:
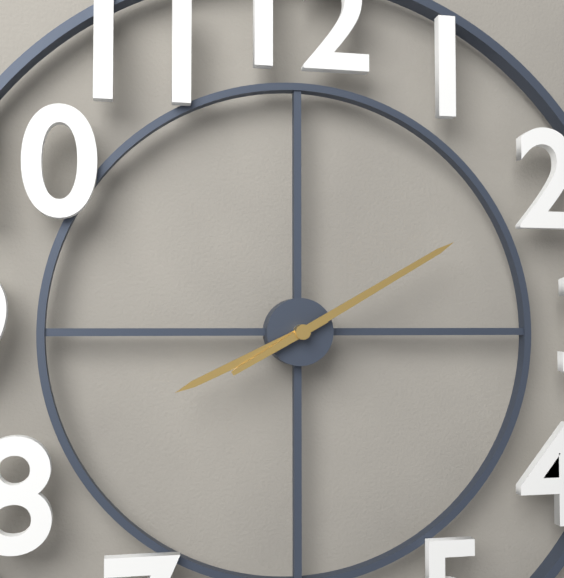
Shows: 8:10
